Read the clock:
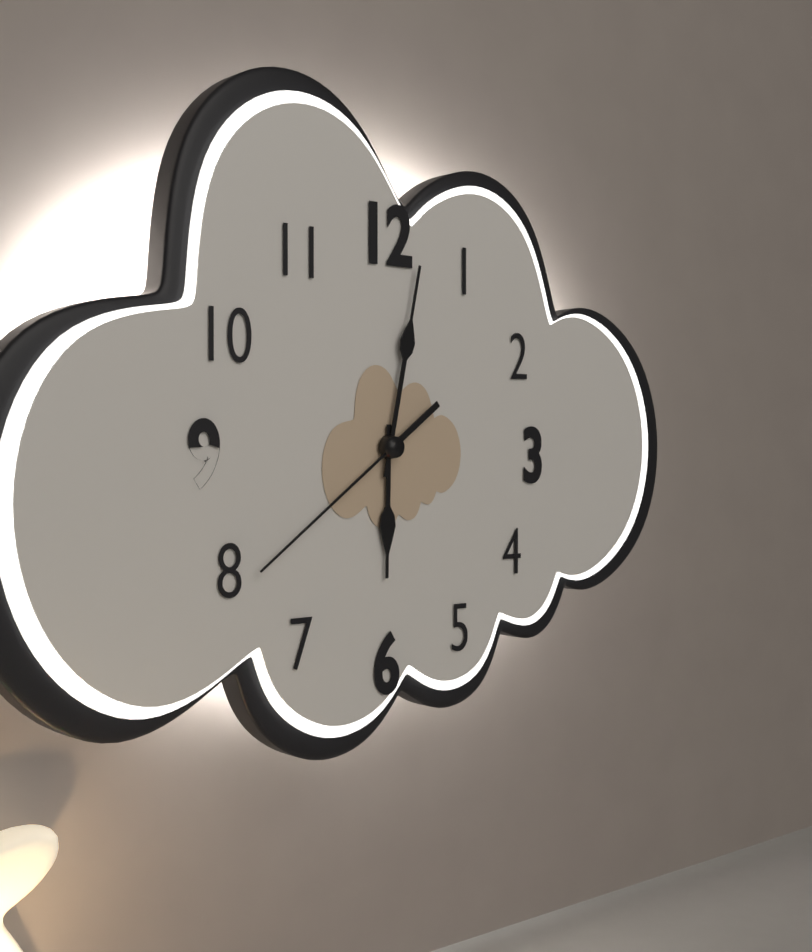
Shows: 6:02:39
